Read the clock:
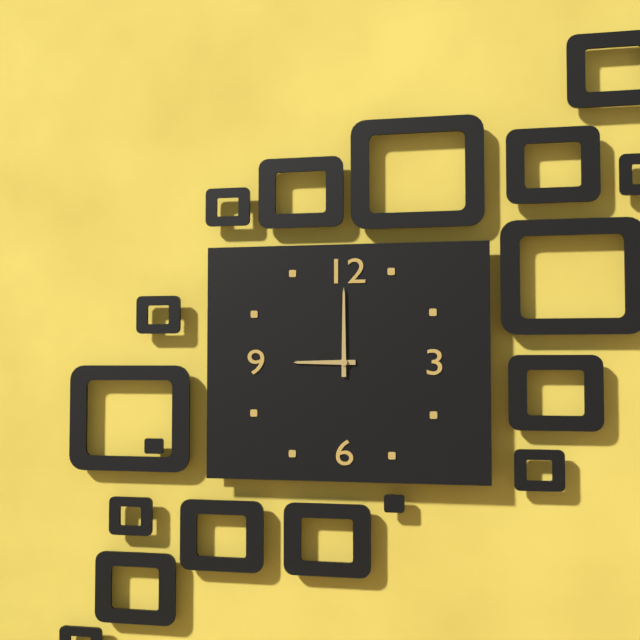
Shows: 9:00
